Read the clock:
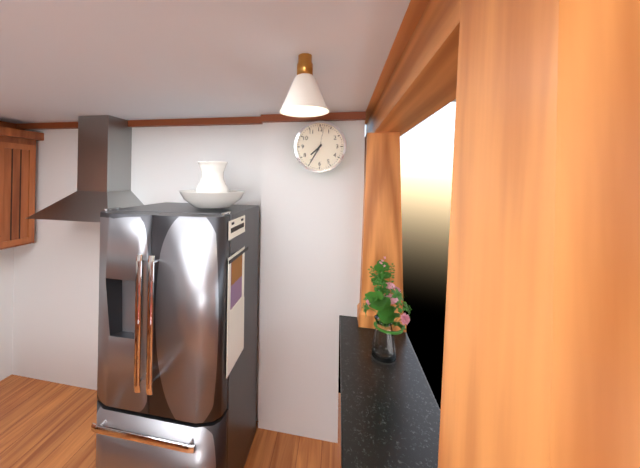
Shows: 7:35
